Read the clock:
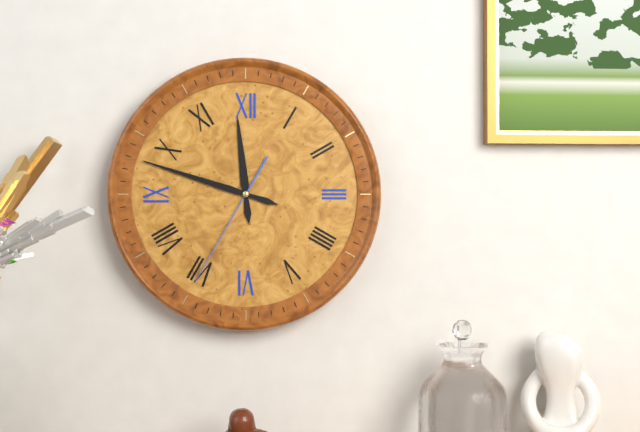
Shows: 11:48:35
